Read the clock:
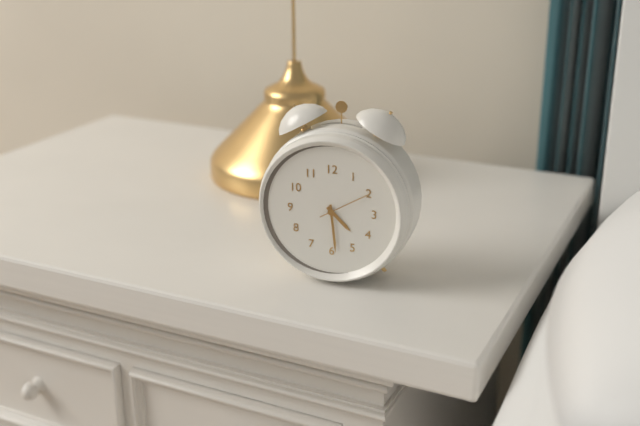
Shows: 4:29:10
